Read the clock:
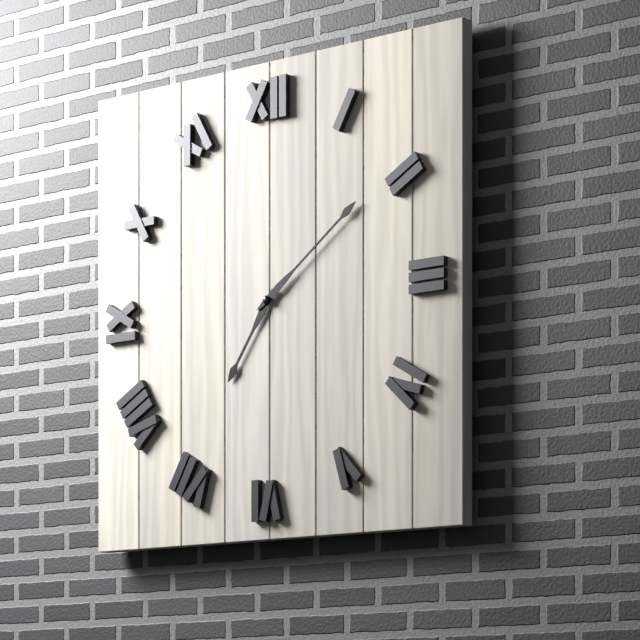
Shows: 7:09
